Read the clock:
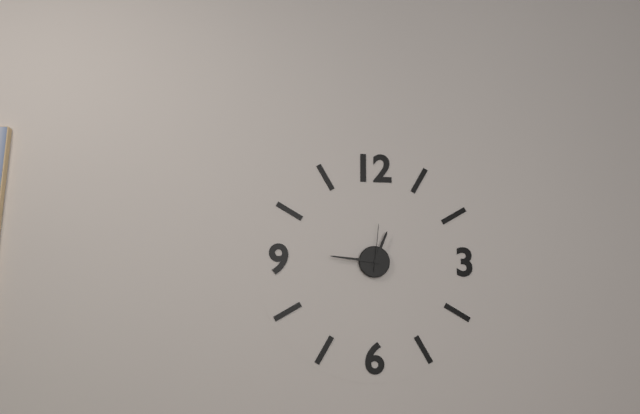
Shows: 12:46
